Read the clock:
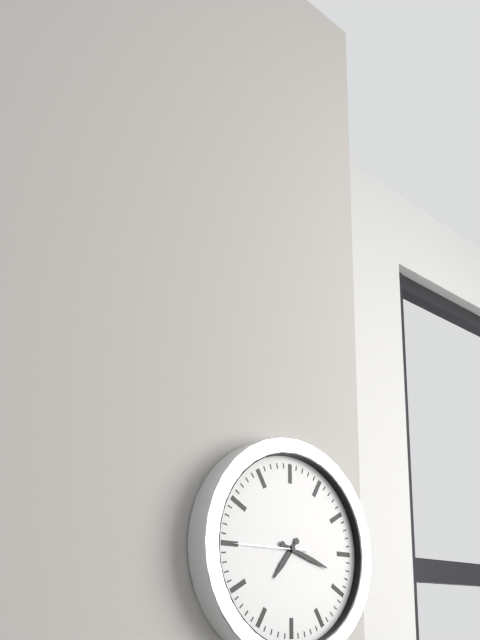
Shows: 7:18:45
